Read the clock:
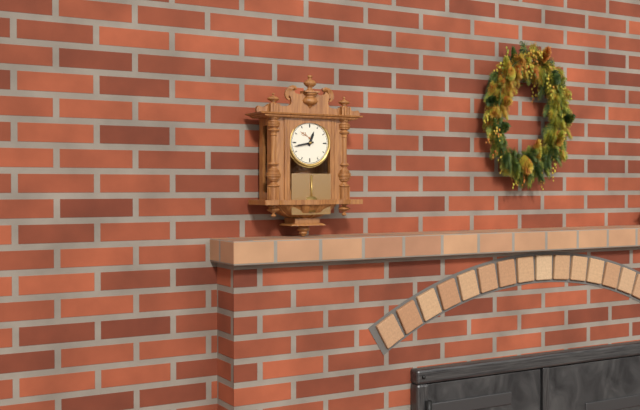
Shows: 12:43
